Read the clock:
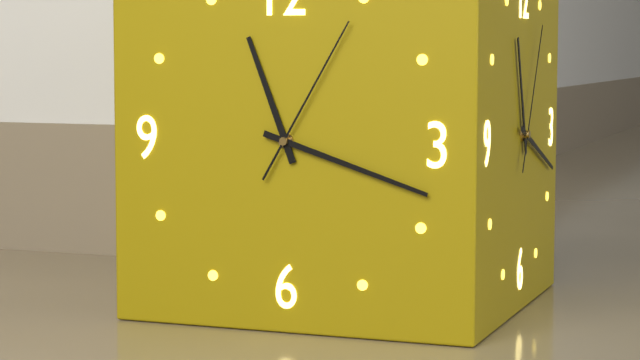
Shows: 11:18:05
